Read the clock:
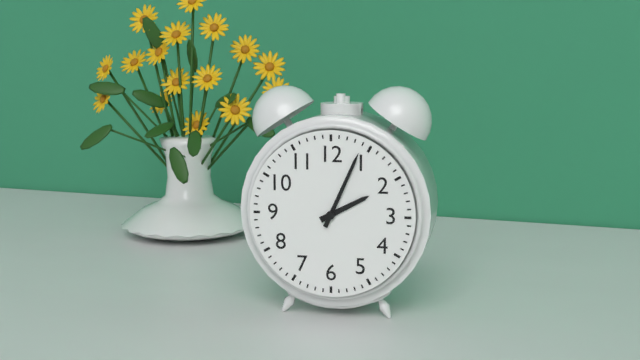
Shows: 2:04
